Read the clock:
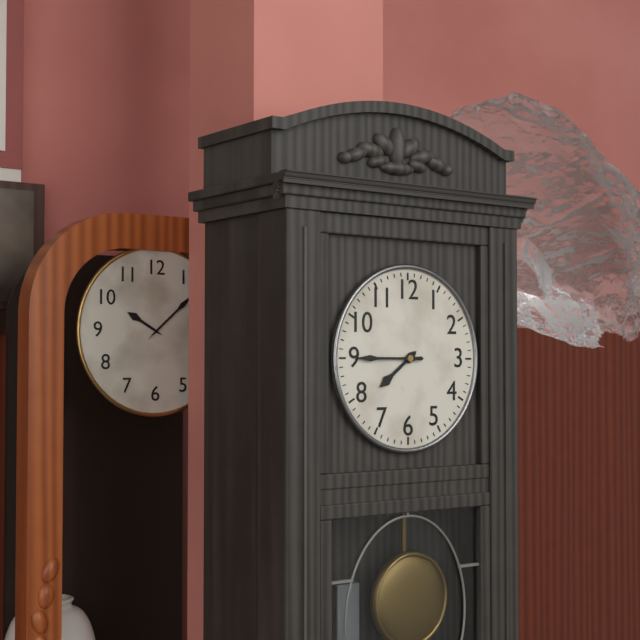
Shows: 7:45
